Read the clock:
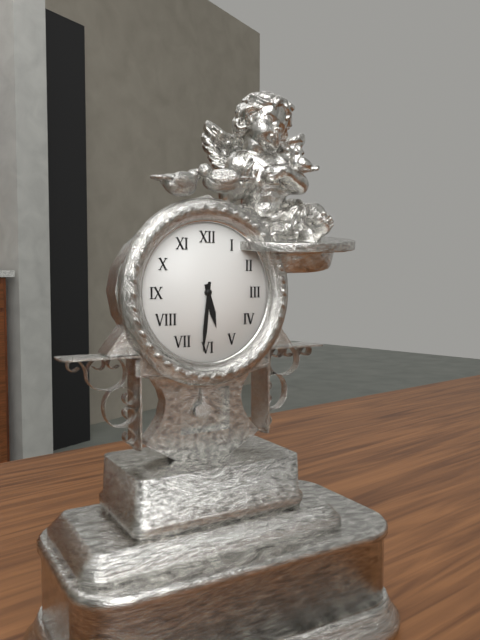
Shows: 5:31
